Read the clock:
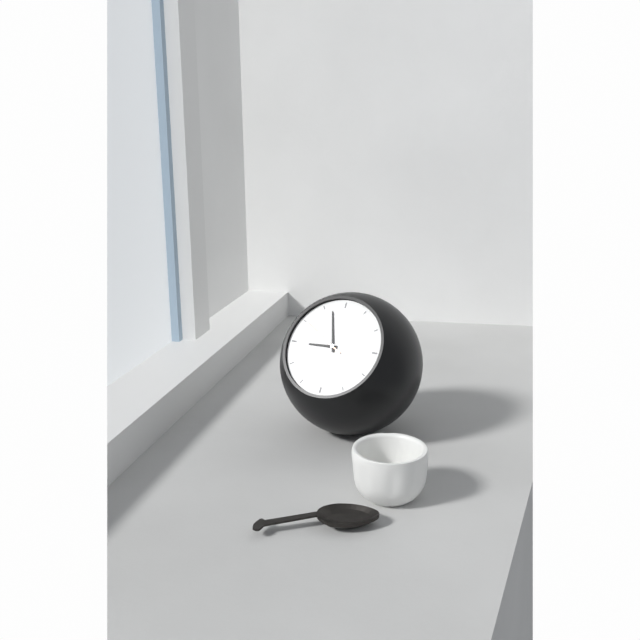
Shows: 8:57:50
